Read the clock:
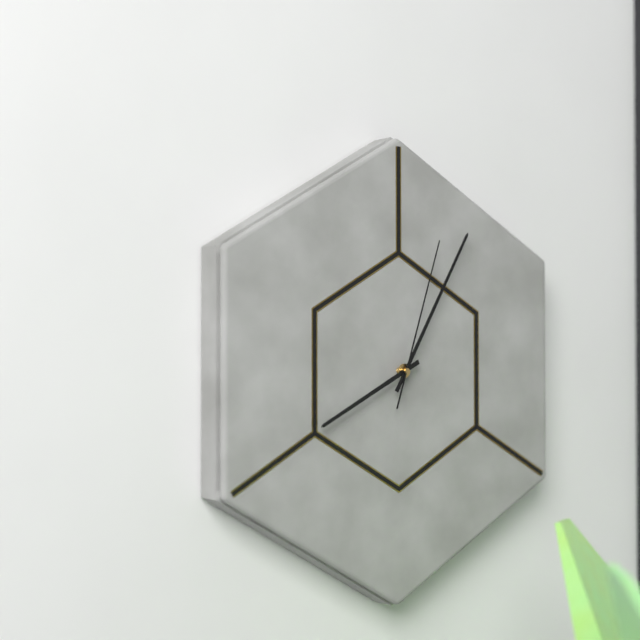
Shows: 8:05:03
